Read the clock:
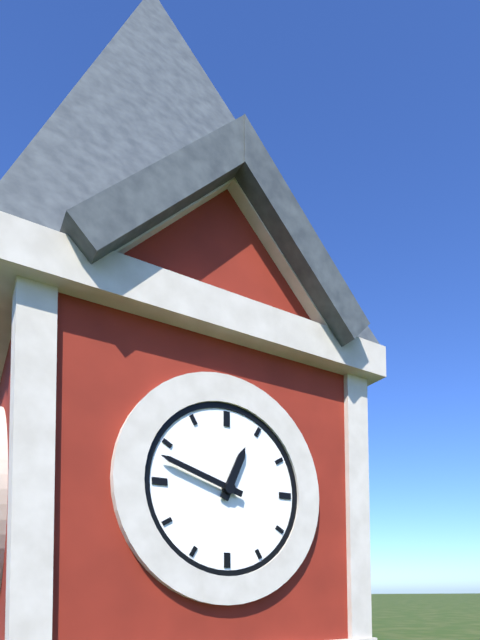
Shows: 12:48
